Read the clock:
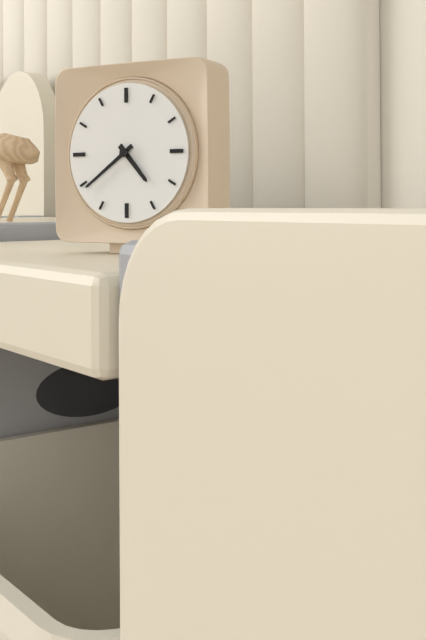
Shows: 4:39
